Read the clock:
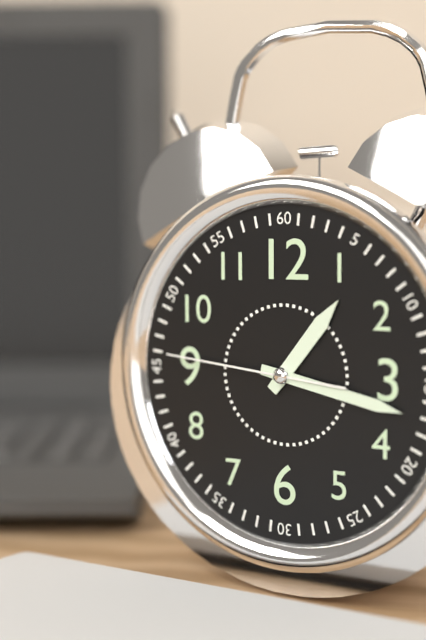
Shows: 1:17:46
